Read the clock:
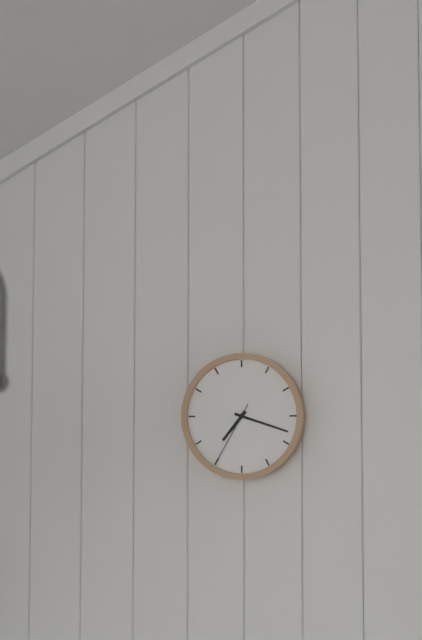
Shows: 7:18:35
